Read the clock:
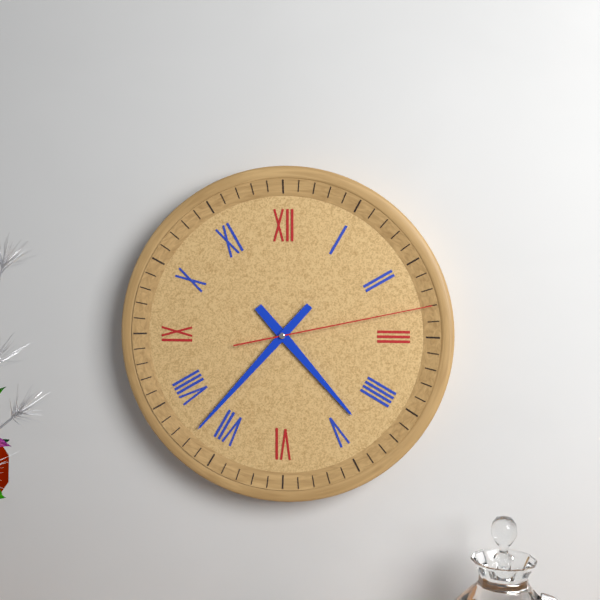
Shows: 4:37:13
